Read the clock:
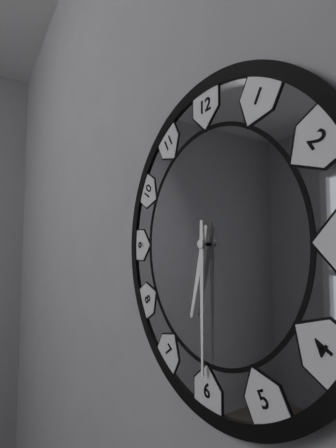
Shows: 6:30
